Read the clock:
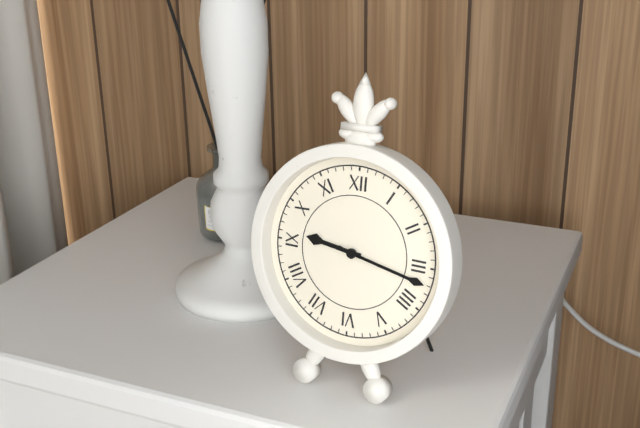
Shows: 9:17
